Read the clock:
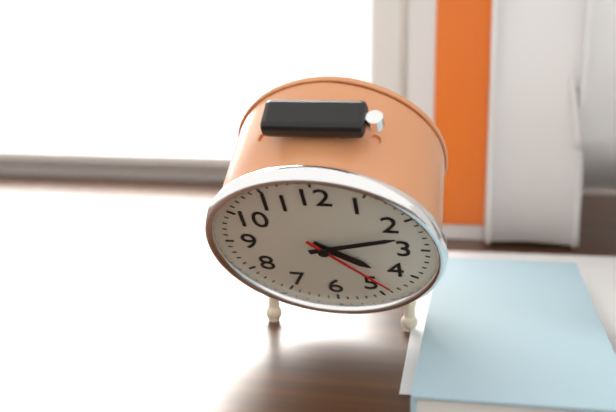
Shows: 4:12:23
